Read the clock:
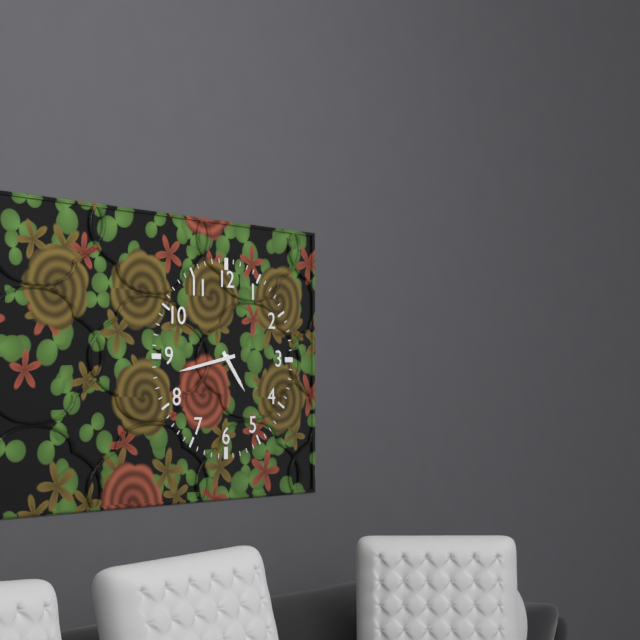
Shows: 4:43
